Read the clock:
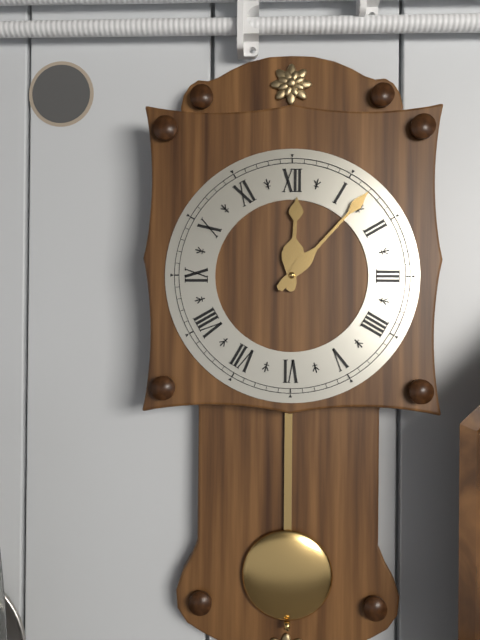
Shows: 12:07
